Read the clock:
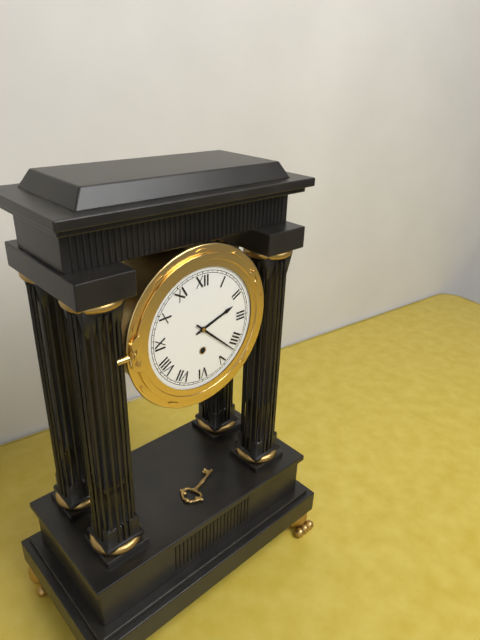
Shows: 2:22
